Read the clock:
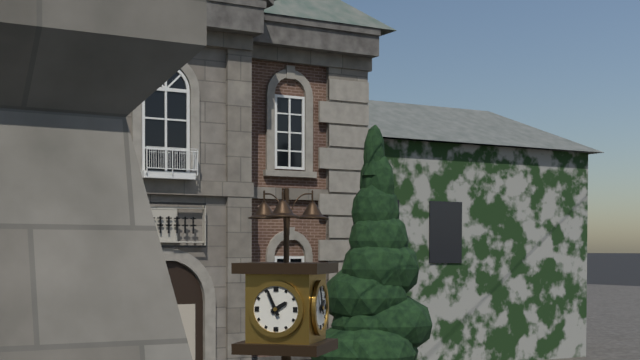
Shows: 1:56
